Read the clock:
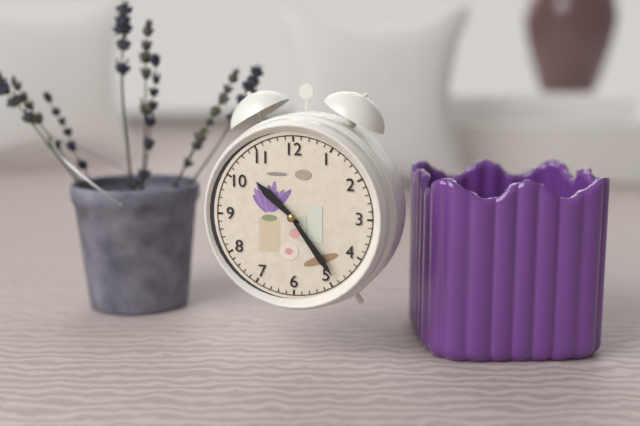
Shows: 10:24
